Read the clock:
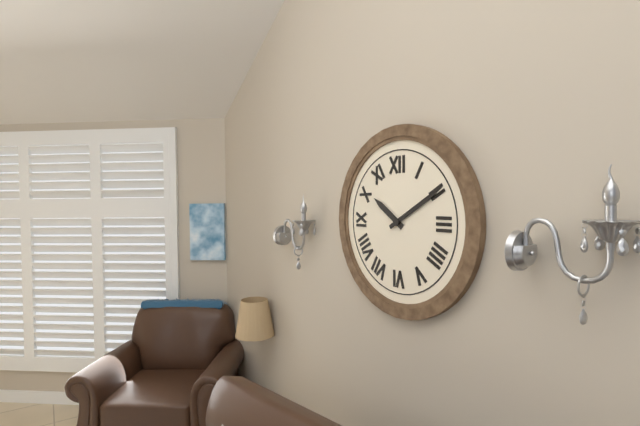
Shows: 10:10
